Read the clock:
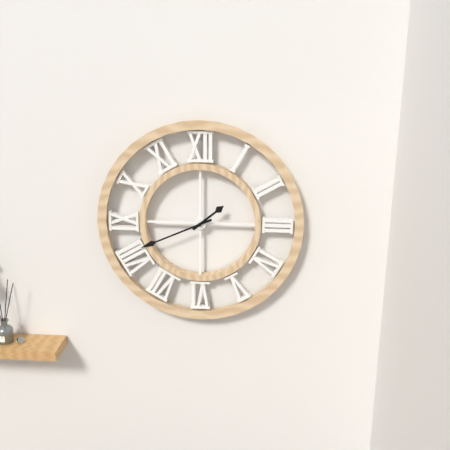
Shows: 1:41
